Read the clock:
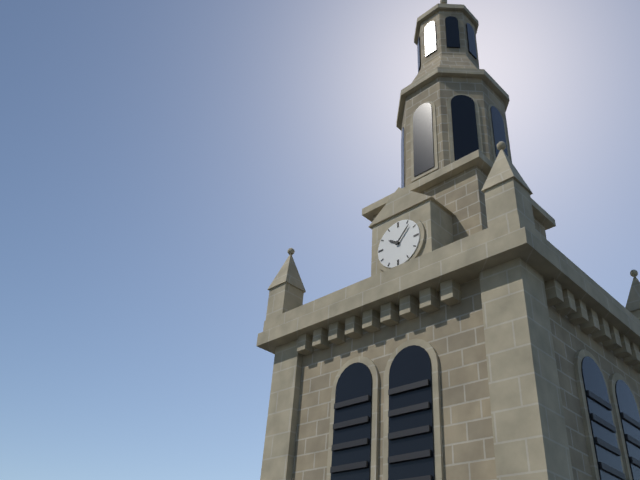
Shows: 10:07
